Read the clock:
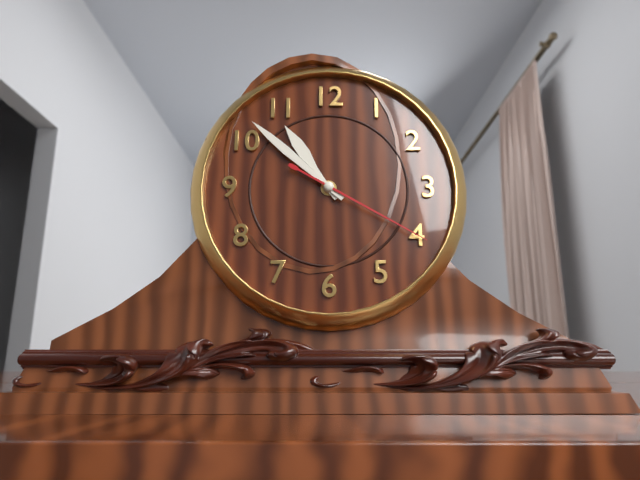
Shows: 10:52:20
